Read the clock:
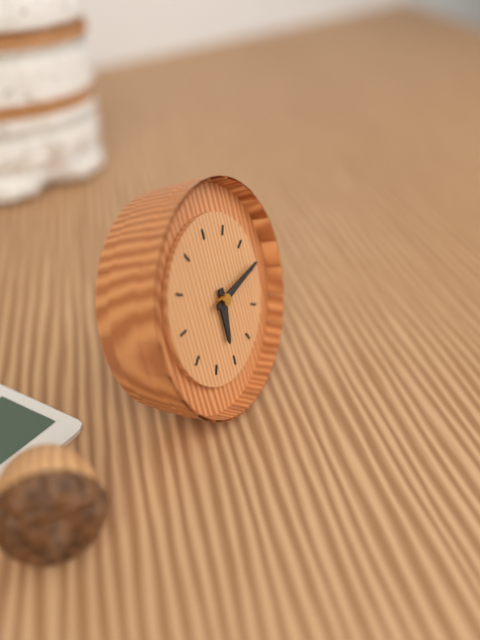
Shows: 6:14
